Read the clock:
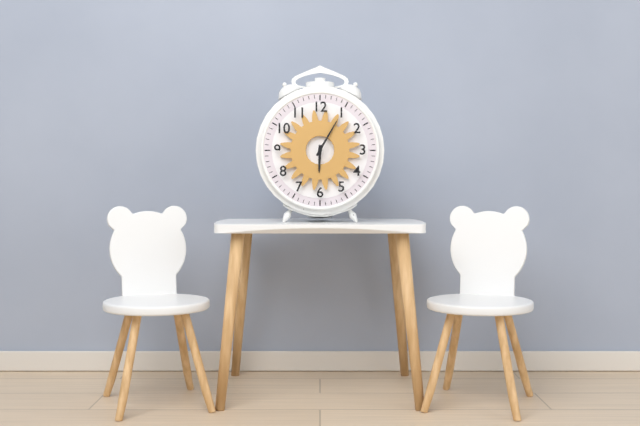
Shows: 6:05
